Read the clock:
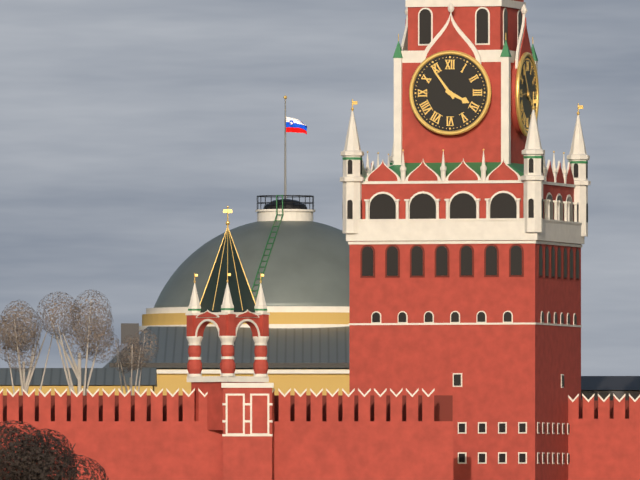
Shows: 3:54
